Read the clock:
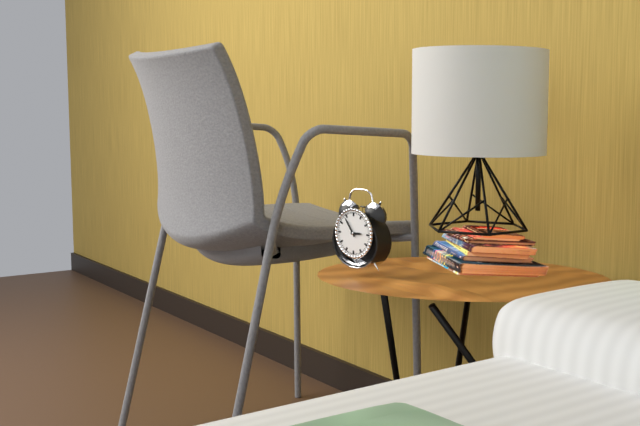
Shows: 2:54
